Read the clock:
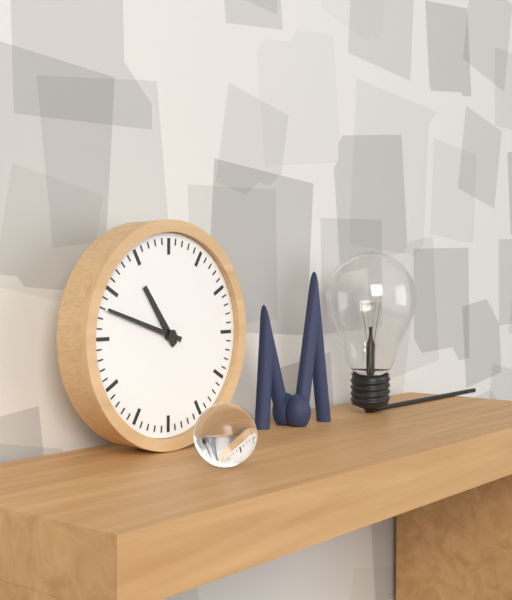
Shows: 10:48
